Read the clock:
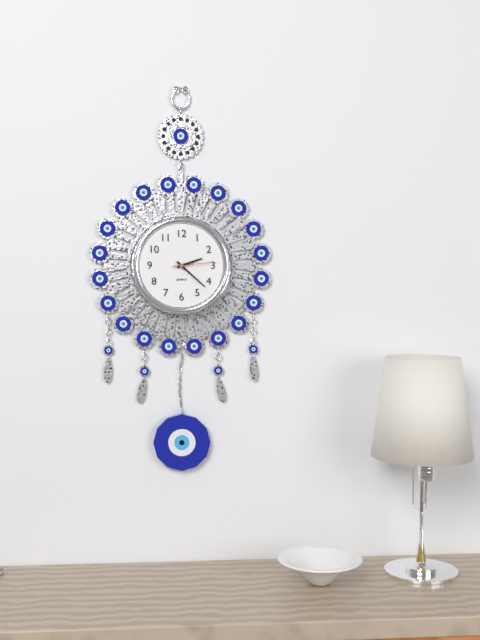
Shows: 2:22
